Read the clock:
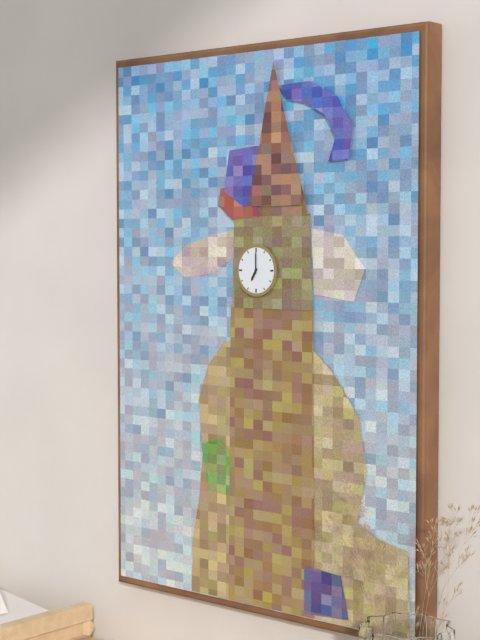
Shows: 7:00
